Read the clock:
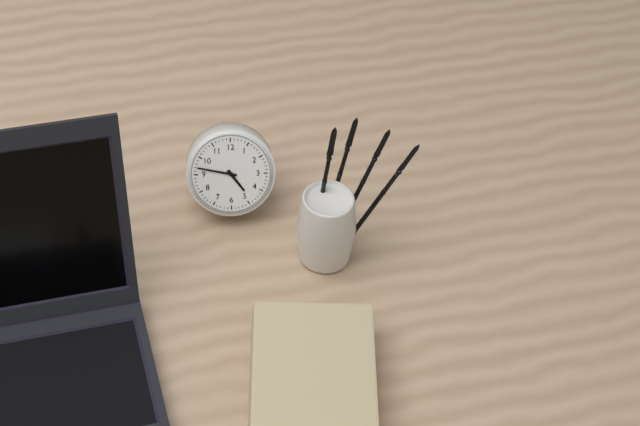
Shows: 4:47
